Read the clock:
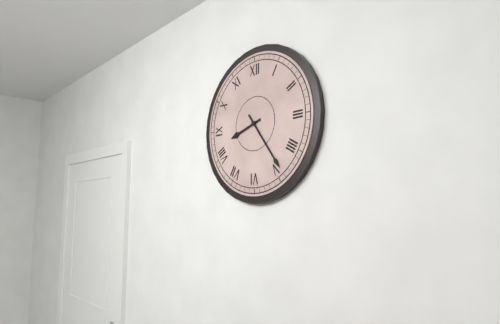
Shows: 8:24
